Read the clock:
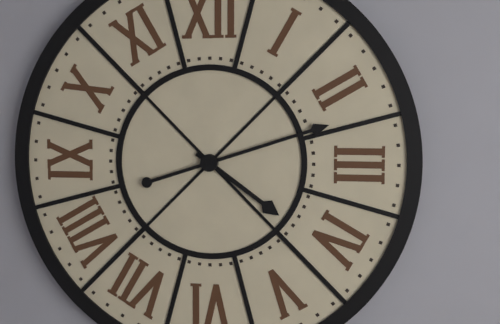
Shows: 4:12
